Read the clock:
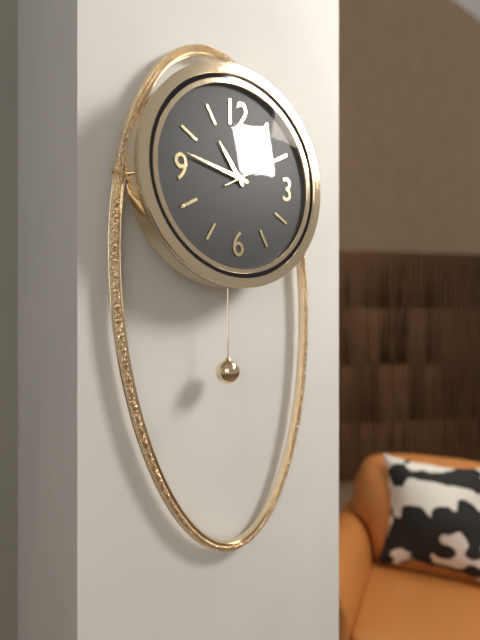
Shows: 10:47:10
